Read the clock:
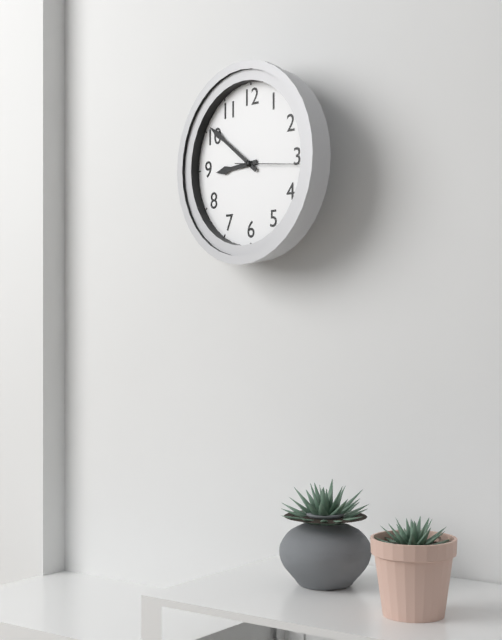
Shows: 8:51:16
